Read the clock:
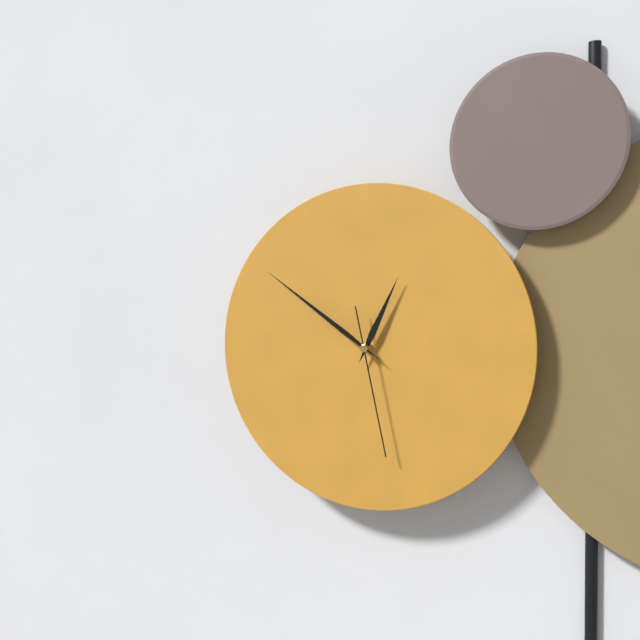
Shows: 12:51:28
